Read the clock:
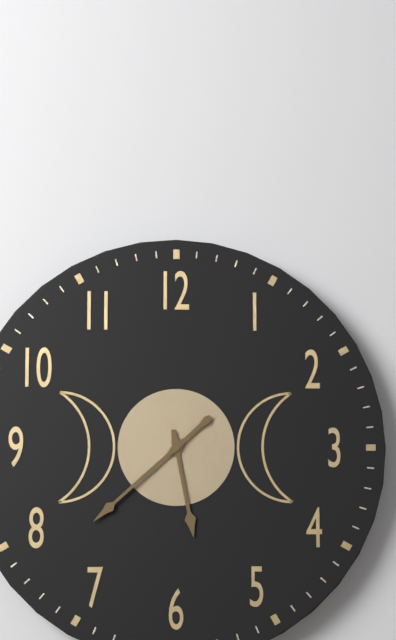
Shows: 5:38
